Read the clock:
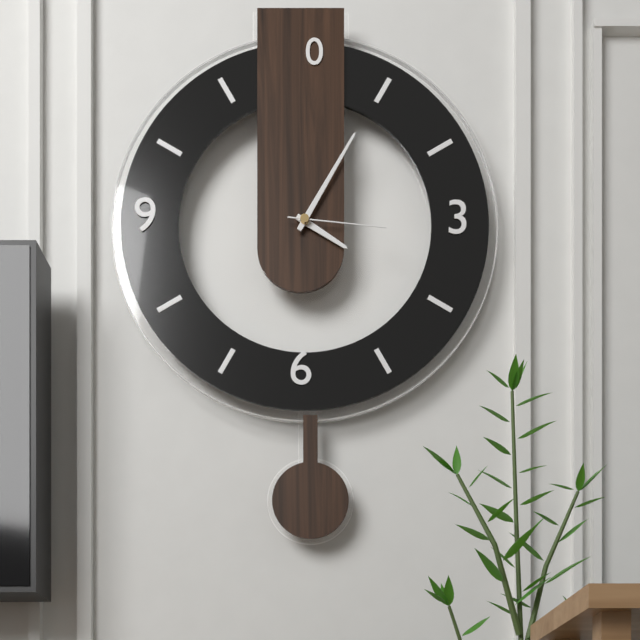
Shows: 4:05:16
